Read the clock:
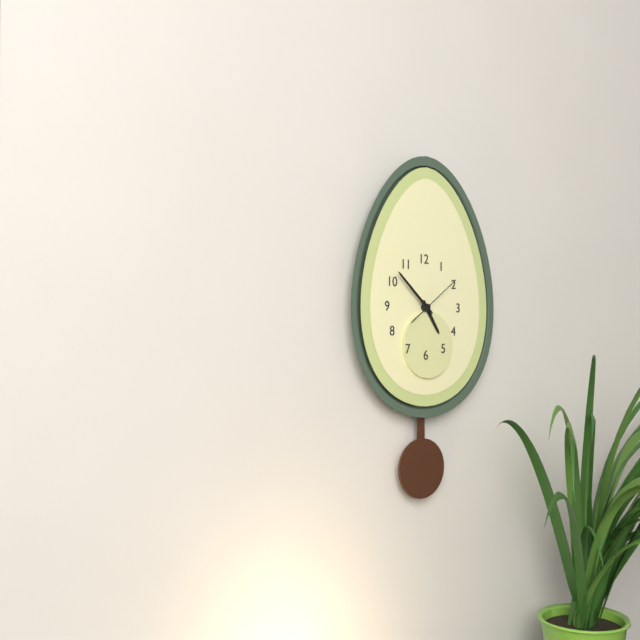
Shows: 4:52:09
